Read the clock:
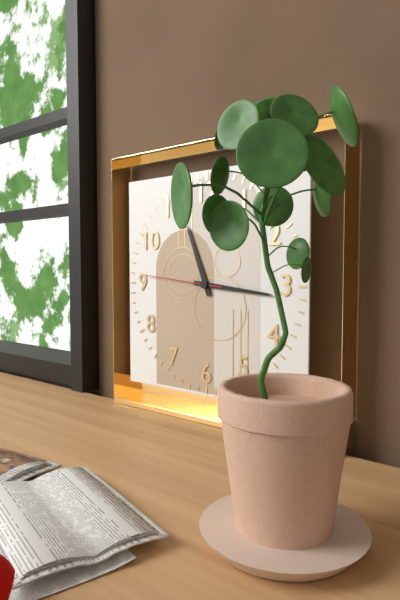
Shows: 11:16:46
